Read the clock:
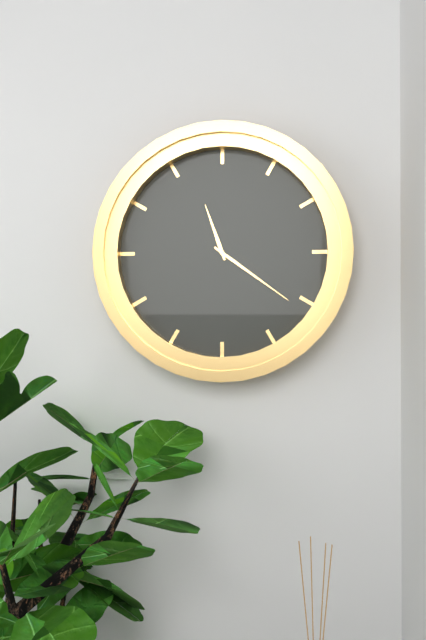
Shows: 11:21
